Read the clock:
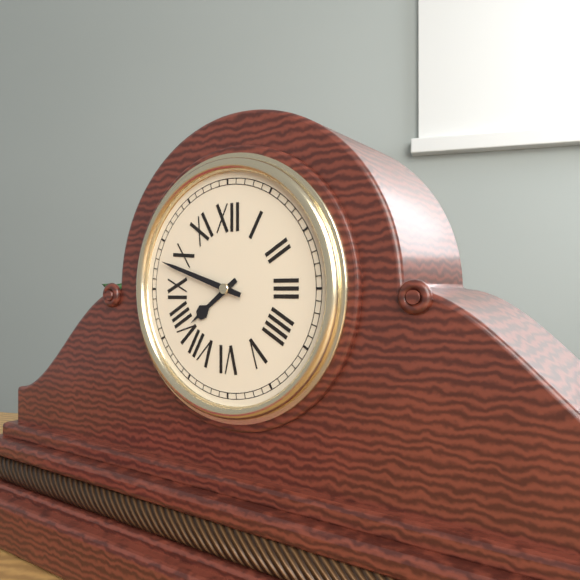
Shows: 7:48
